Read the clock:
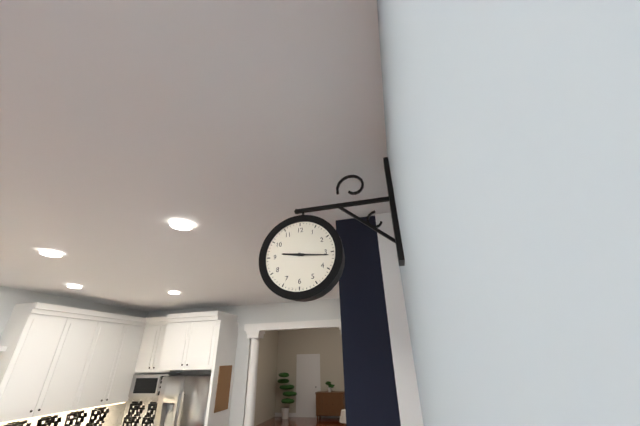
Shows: 9:16
